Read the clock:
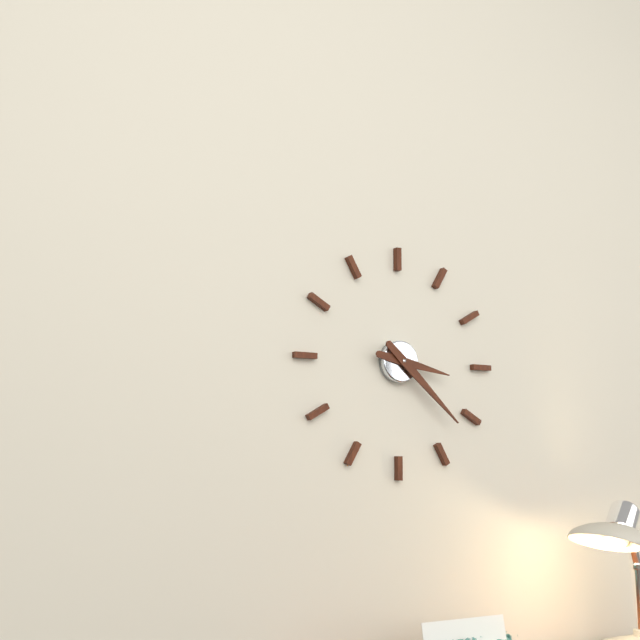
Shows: 3:22
